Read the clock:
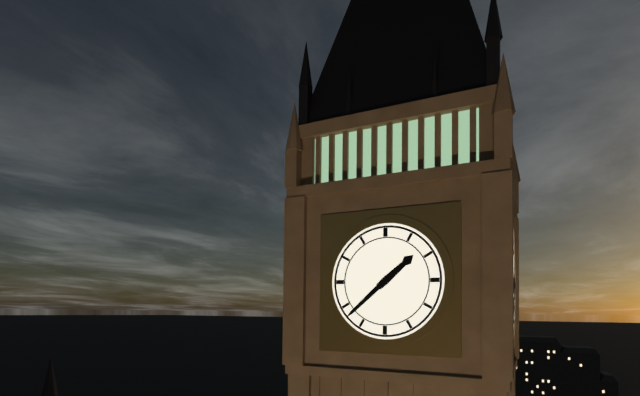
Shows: 1:38
